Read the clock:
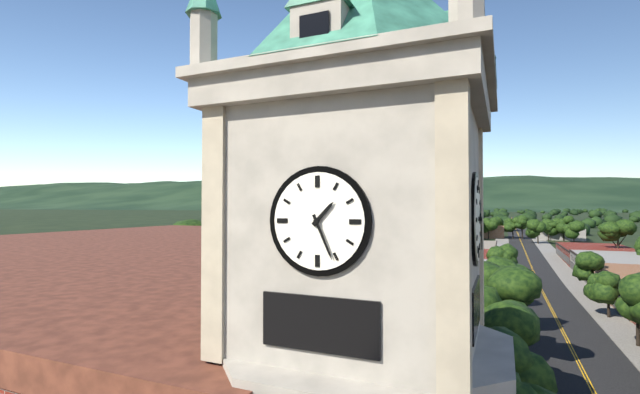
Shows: 1:26
